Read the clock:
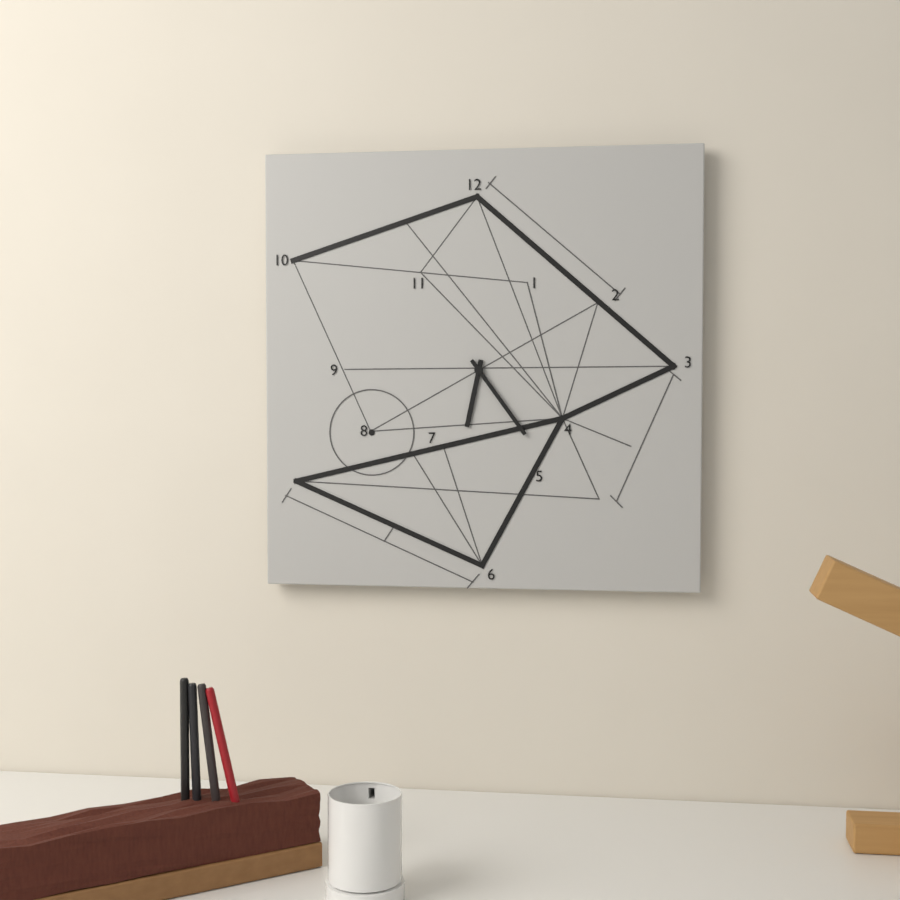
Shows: 6:24
